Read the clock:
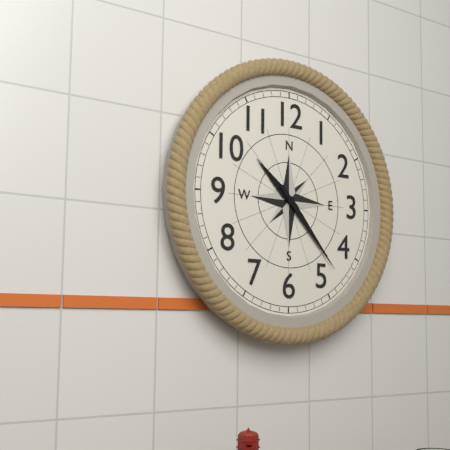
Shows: 10:23
